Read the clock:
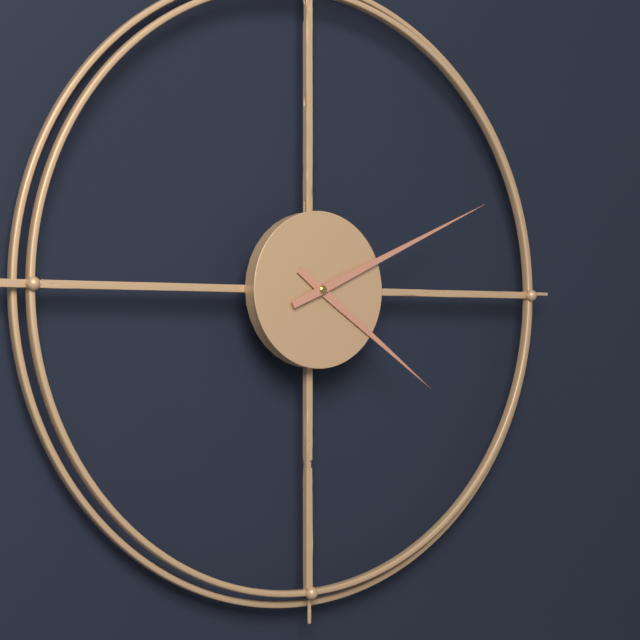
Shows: 4:11
